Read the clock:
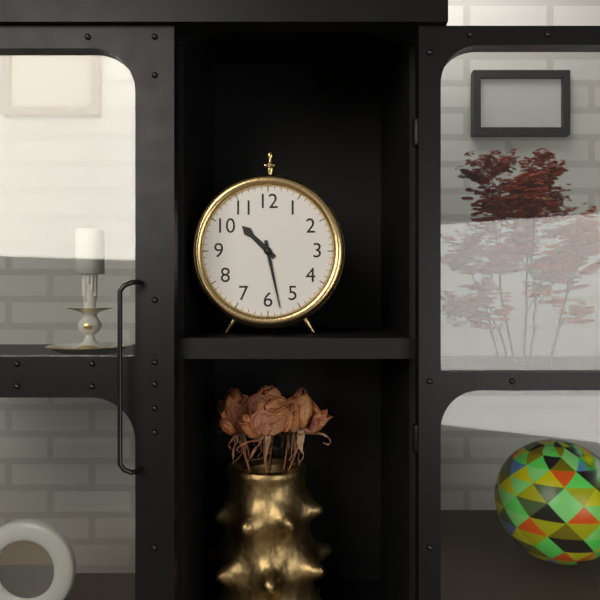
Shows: 10:28
